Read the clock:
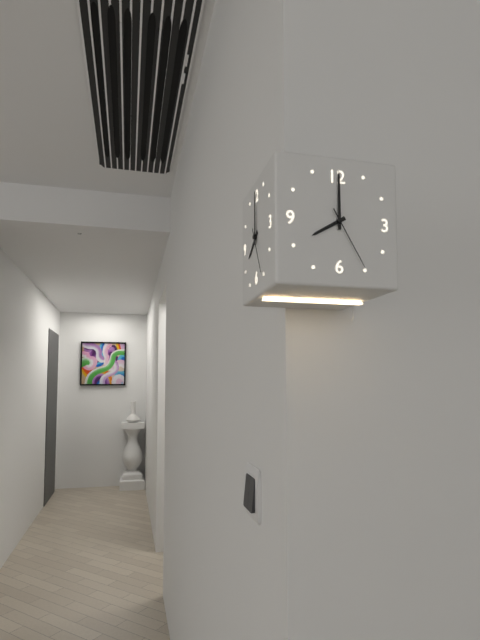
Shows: 8:00:25
